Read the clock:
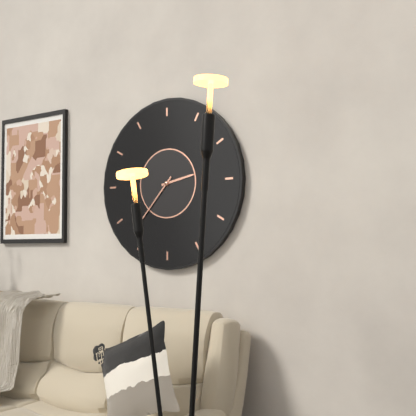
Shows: 2:37
